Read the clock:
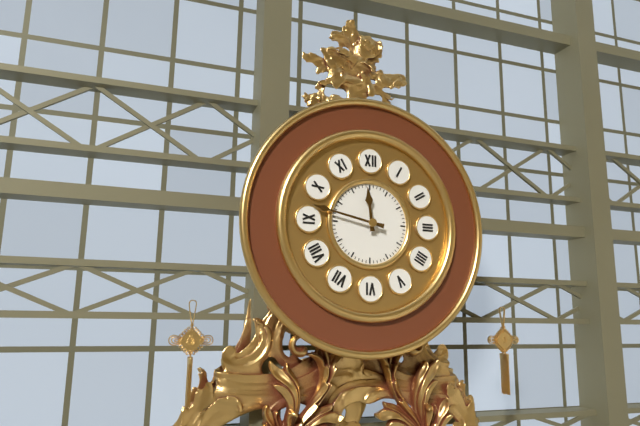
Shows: 11:47
